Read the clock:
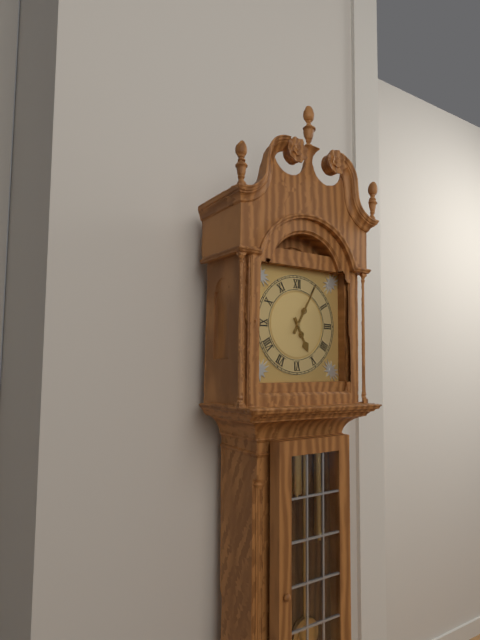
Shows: 5:05
